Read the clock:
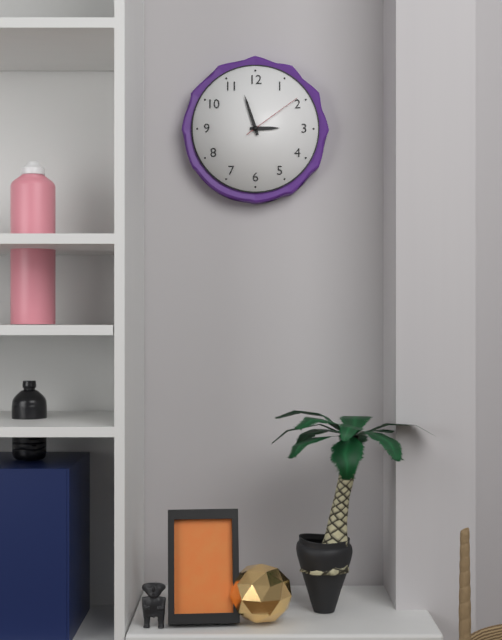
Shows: 2:57:09
